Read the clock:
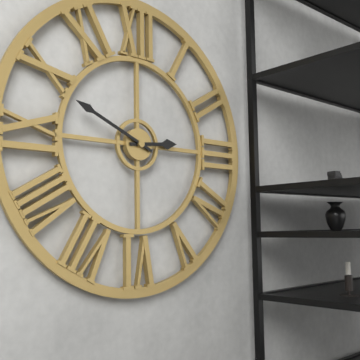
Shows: 2:49
